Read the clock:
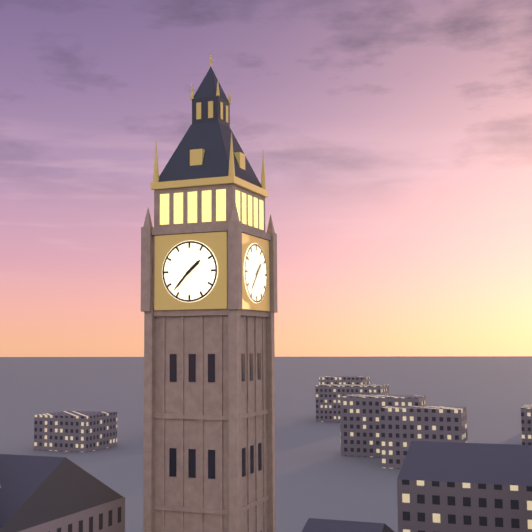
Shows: 1:37
